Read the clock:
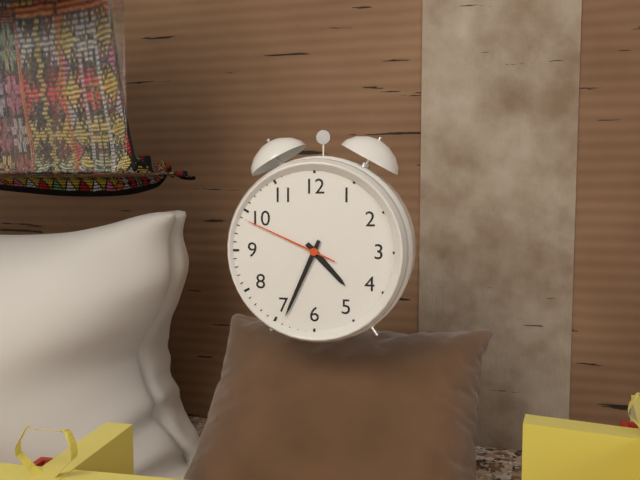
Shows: 4:34:49
